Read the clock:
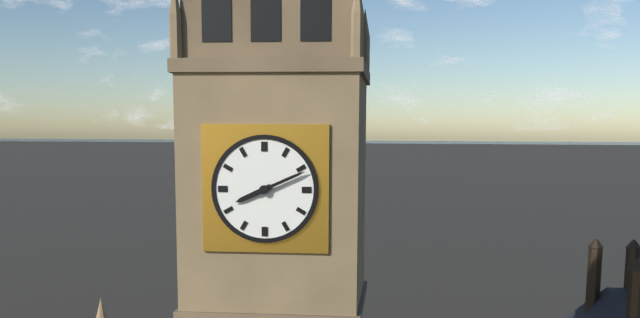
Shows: 8:11
